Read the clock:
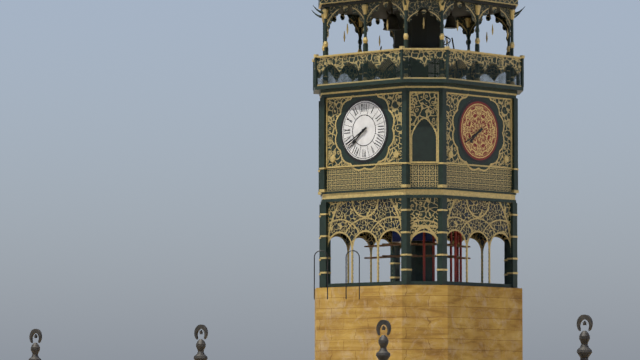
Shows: 7:40
